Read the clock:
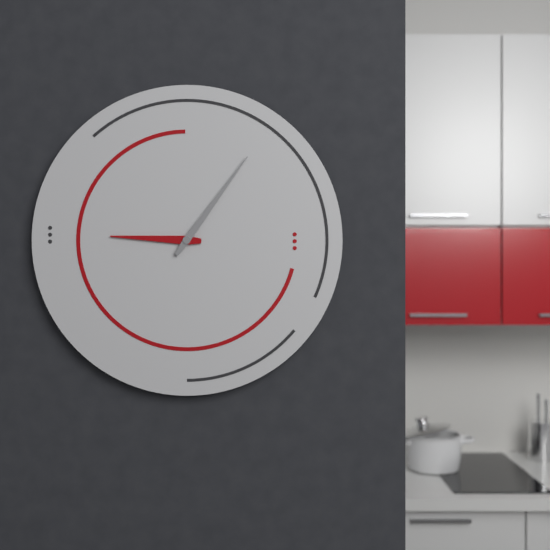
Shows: 9:06
